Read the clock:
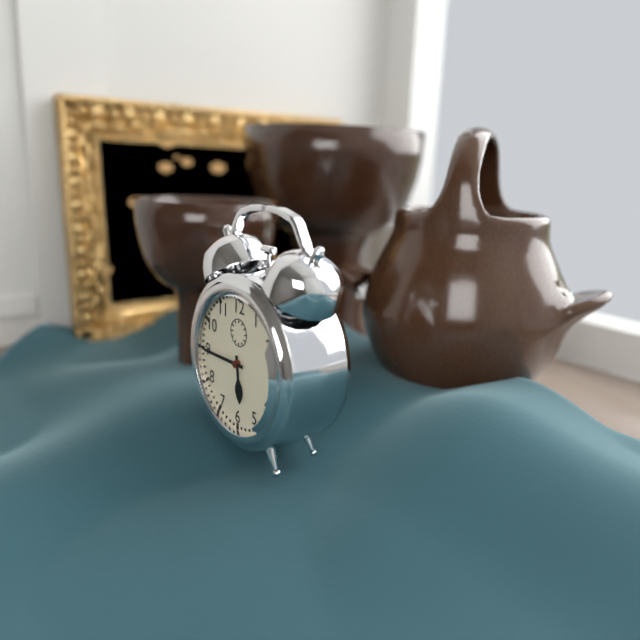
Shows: 5:45
